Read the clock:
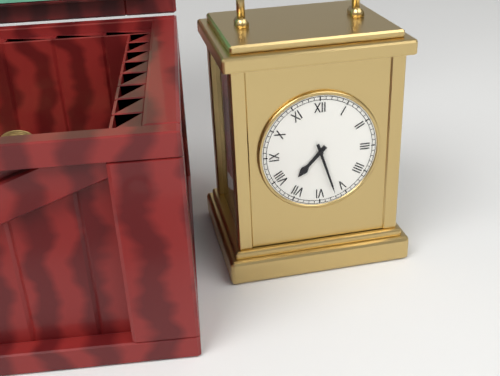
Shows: 7:27
